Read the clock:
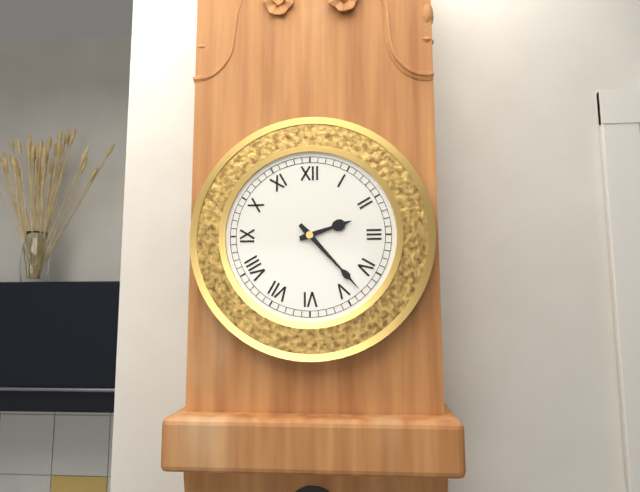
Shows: 2:23
